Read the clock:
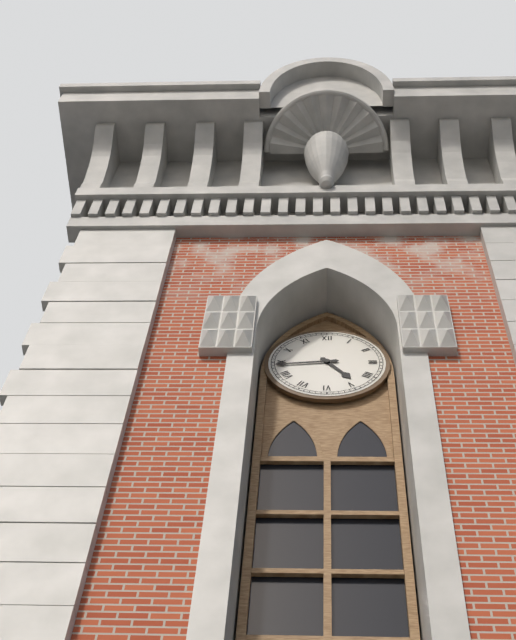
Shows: 4:44
